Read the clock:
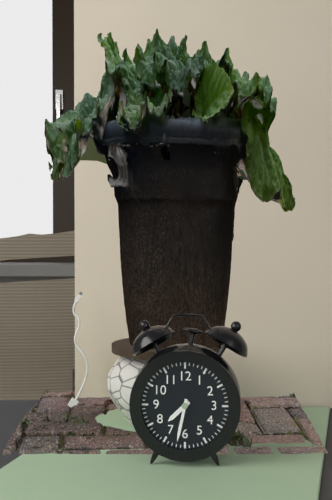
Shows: 7:32
